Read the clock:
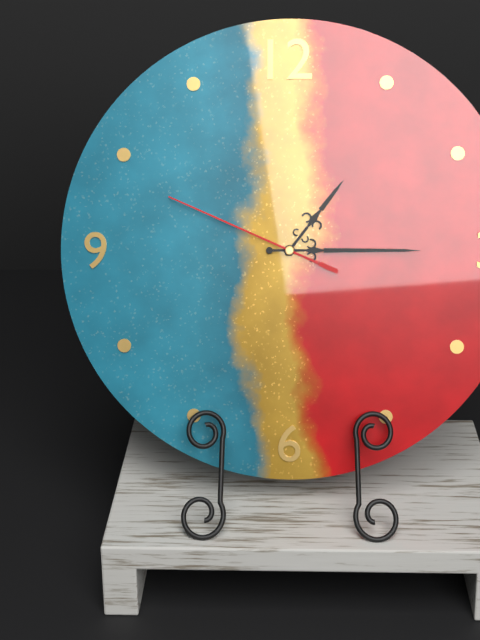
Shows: 1:15:49
